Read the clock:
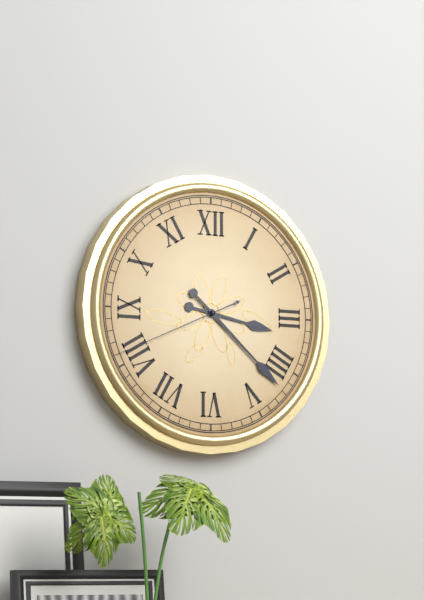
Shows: 3:22:41
